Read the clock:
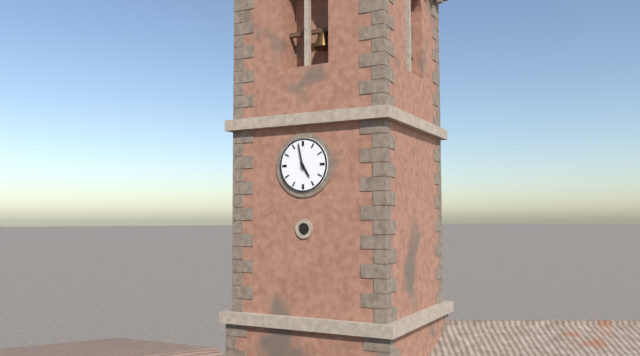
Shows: 4:58
